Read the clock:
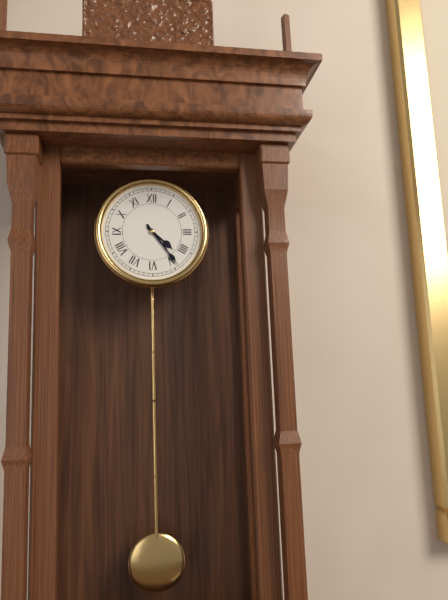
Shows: 4:24
